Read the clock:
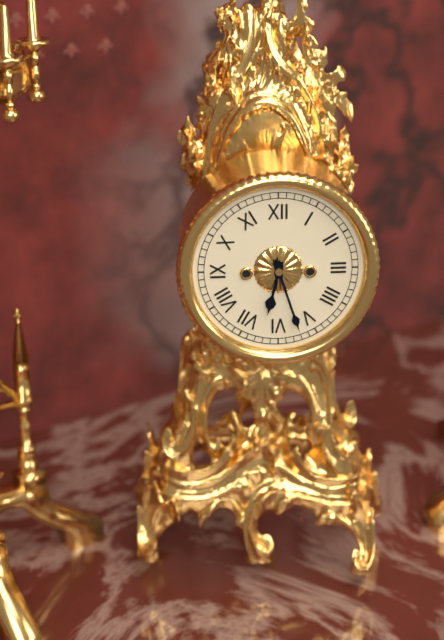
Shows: 6:27
